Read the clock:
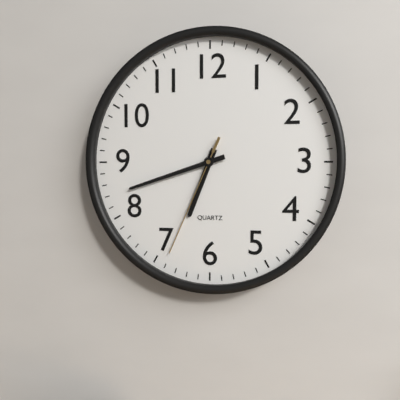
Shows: 6:42:34
